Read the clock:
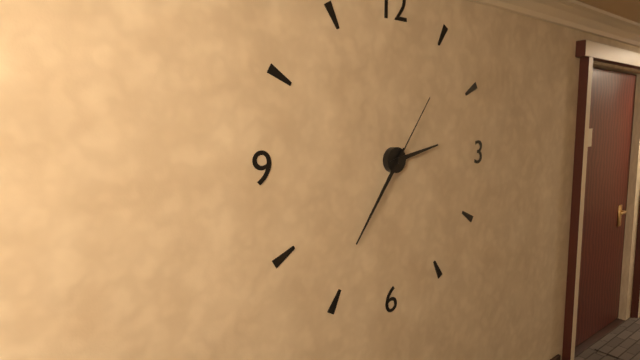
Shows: 2:36:06
